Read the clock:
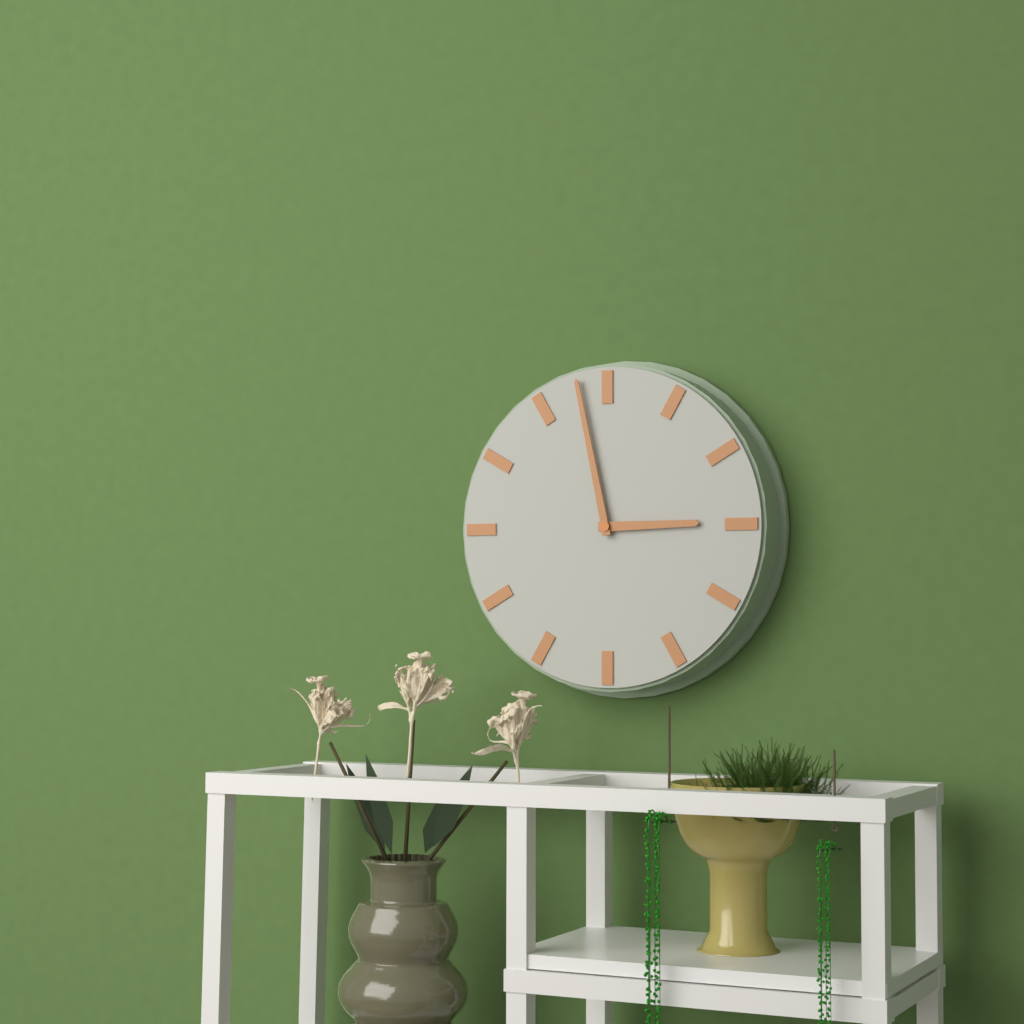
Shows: 2:58
